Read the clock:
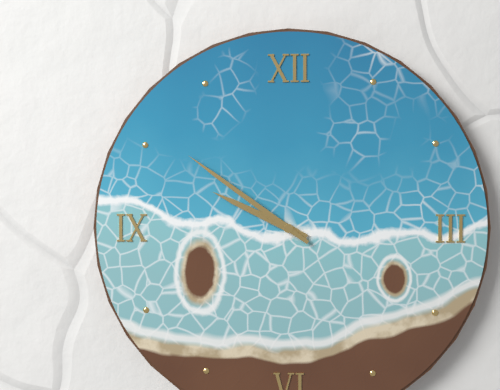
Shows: 9:51
